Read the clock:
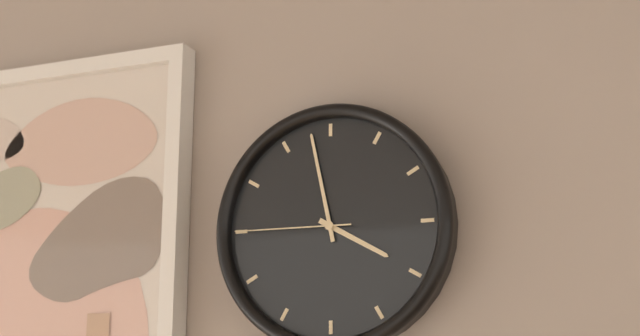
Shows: 3:58:45
